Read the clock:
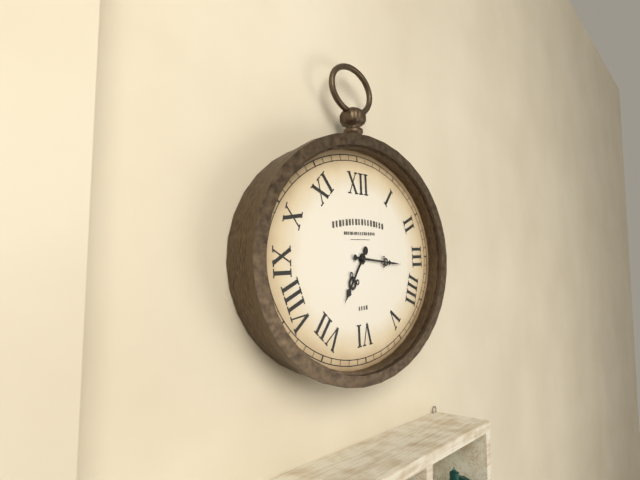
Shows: 7:16
